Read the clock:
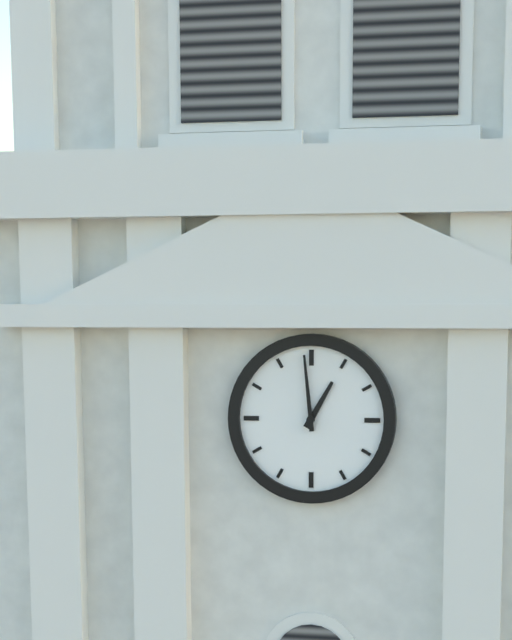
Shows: 12:59
